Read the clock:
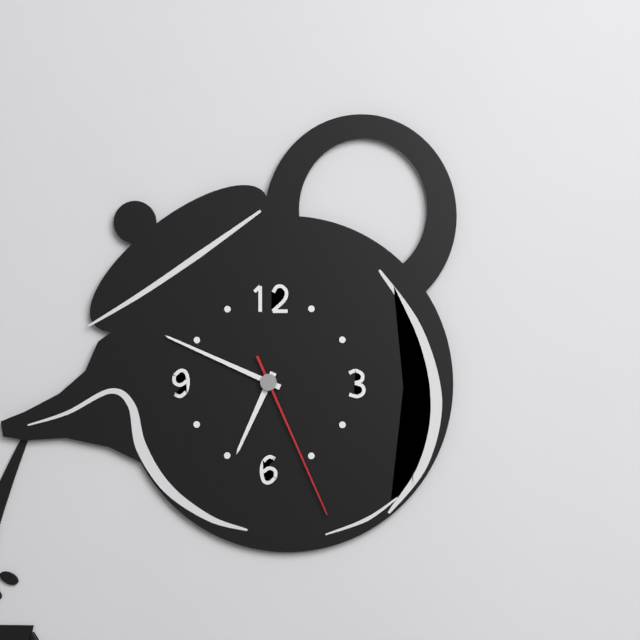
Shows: 6:49:26
